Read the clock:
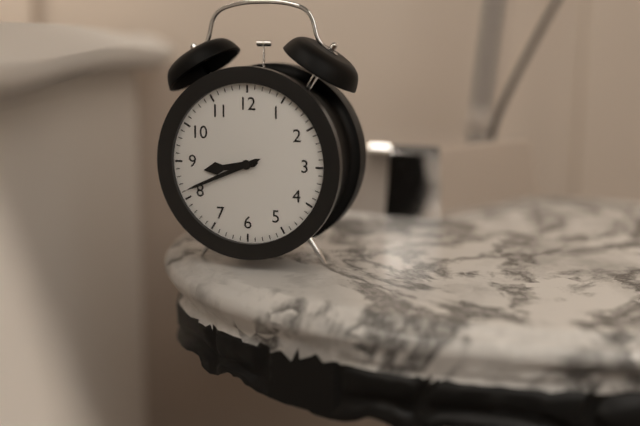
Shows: 8:41
